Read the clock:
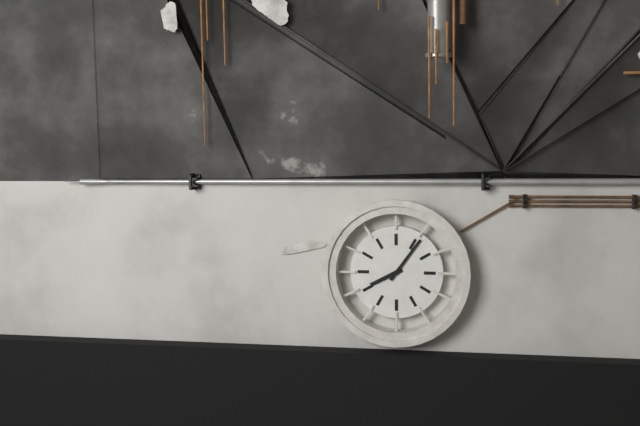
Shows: 8:06
